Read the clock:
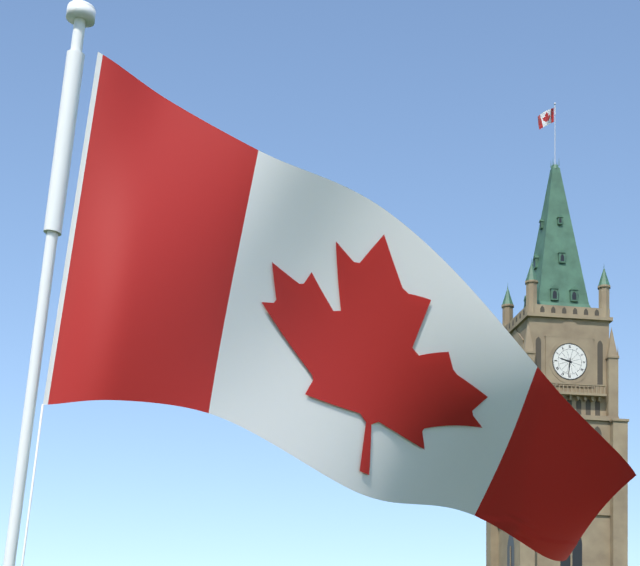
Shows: 9:31
